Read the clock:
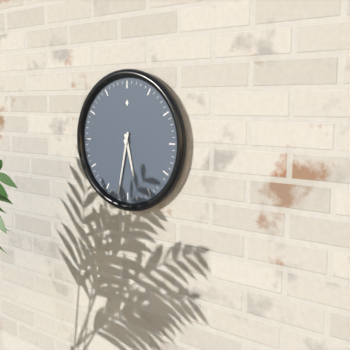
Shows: 5:32
